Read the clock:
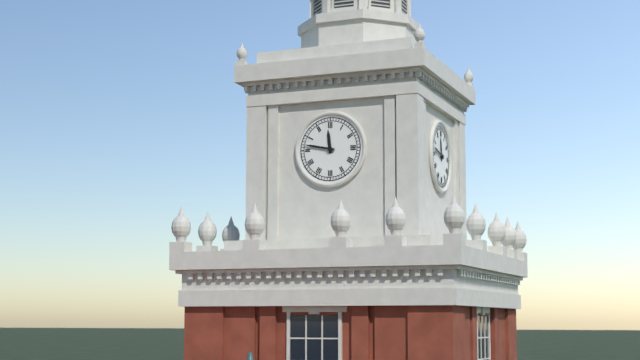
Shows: 11:47
